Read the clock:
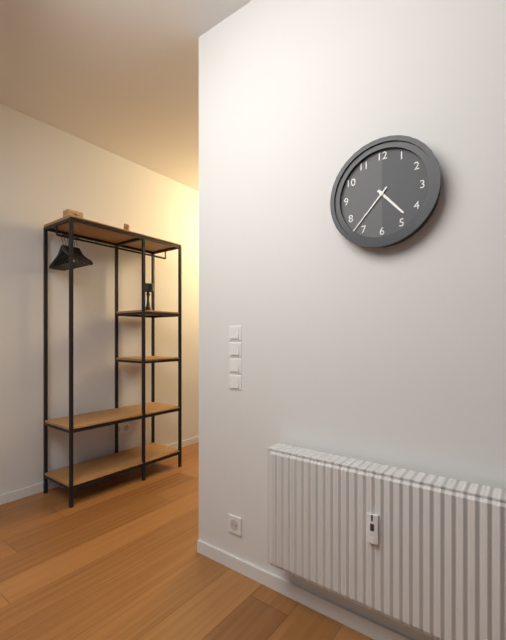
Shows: 4:37
